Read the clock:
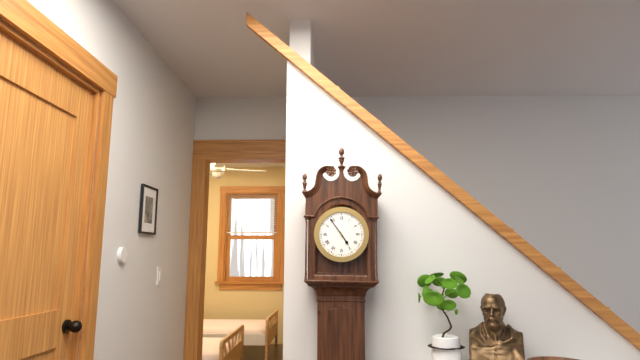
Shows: 4:54
